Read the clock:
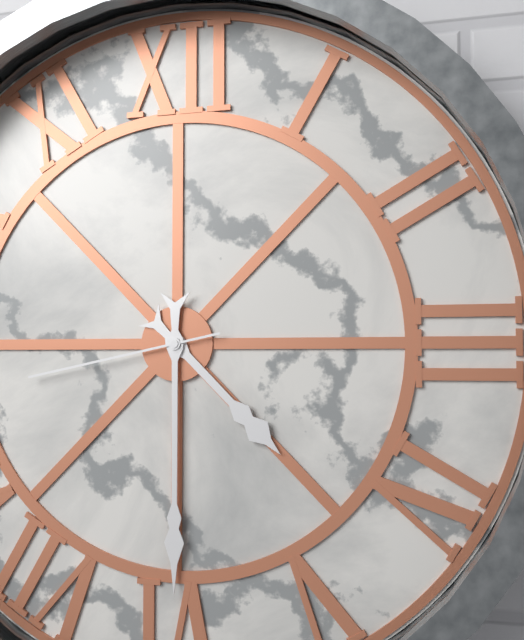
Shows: 4:30:43
